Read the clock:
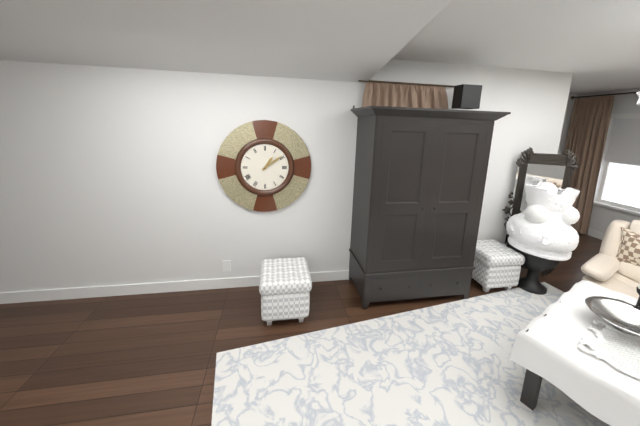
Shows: 1:09
